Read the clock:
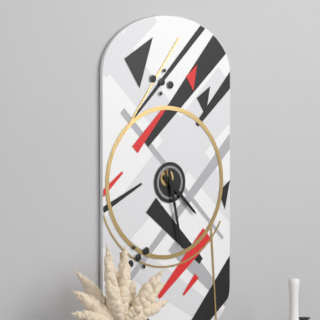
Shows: 4:28
